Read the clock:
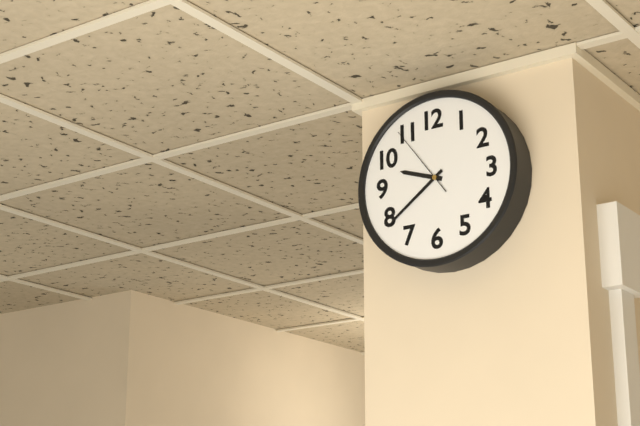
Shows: 9:39:54
